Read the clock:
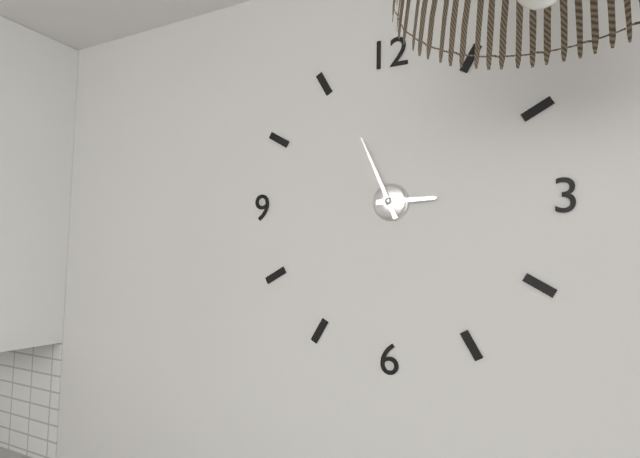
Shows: 2:56
